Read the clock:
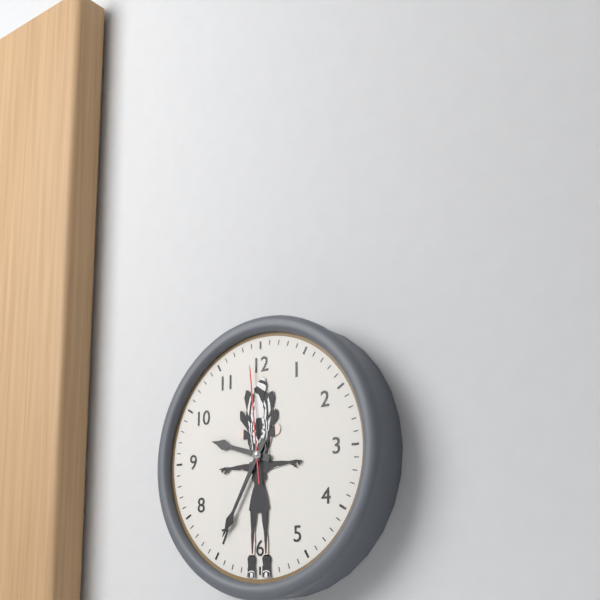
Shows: 9:35:59
